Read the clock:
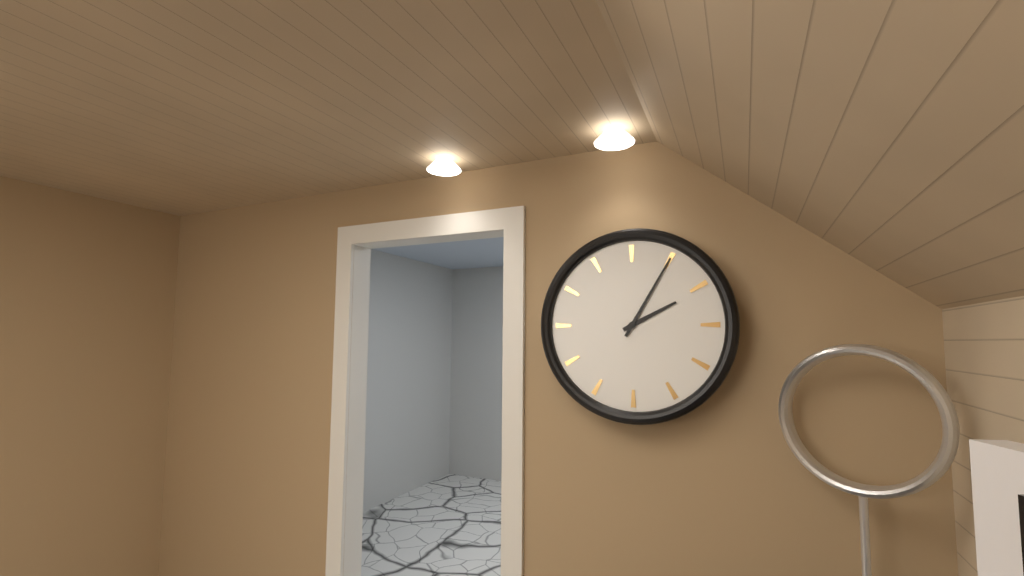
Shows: 2:05
